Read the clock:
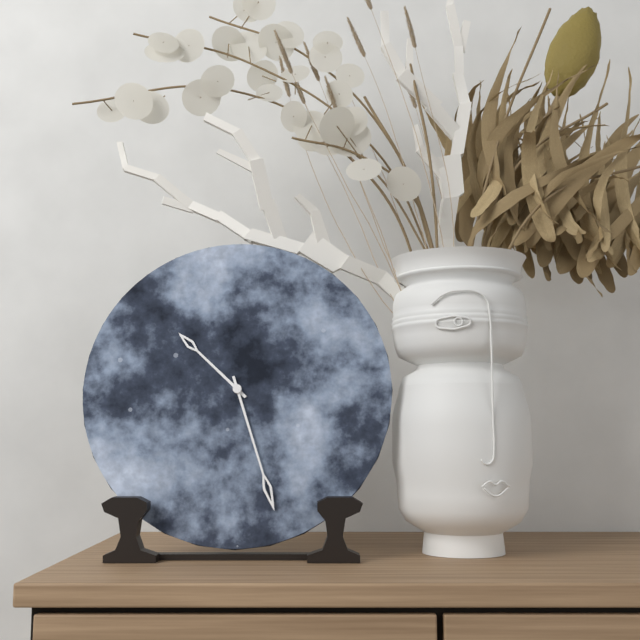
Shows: 10:27
